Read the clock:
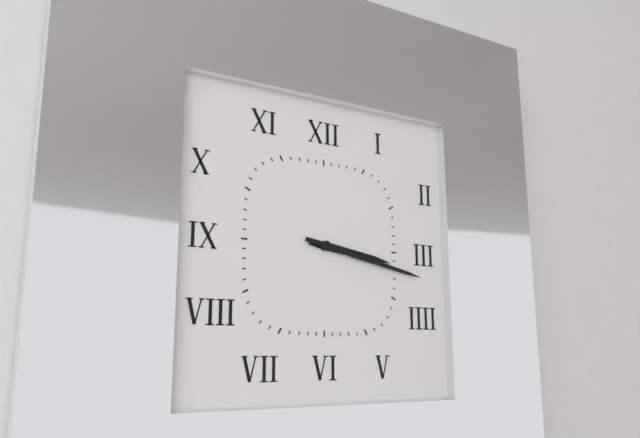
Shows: 3:17
